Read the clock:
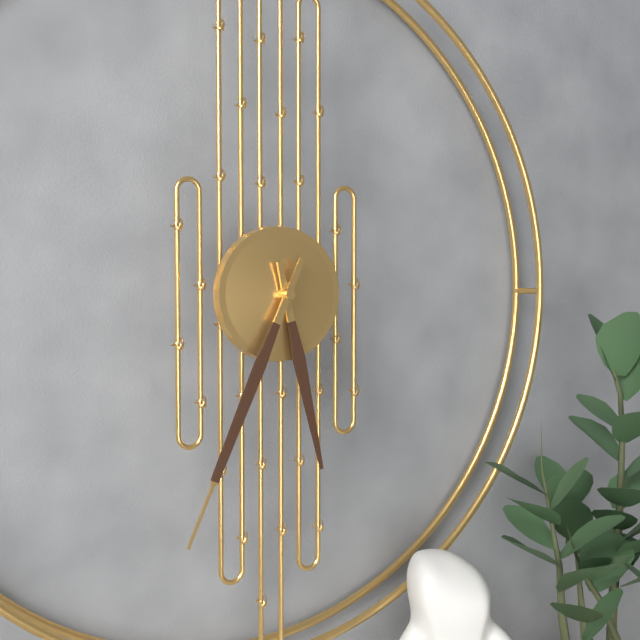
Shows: 5:34
